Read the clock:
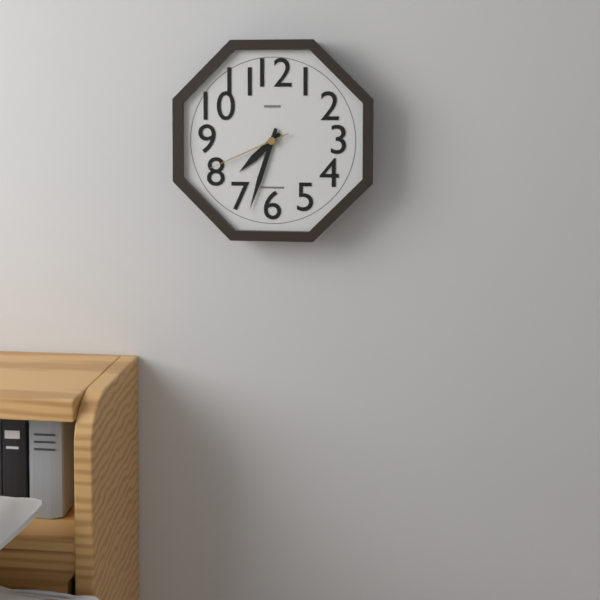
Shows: 7:33:41
